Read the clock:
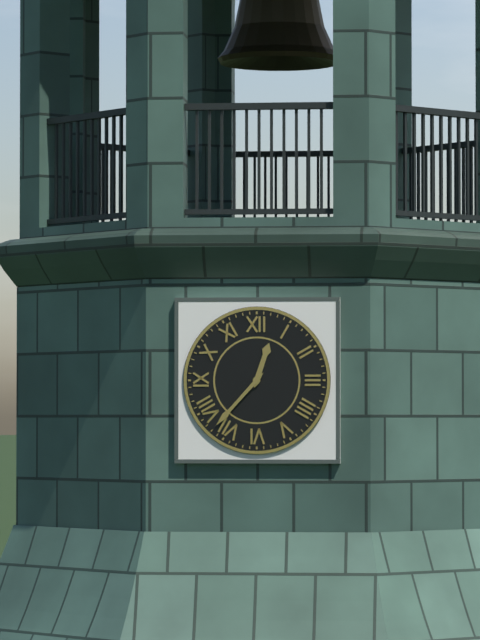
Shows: 12:37
